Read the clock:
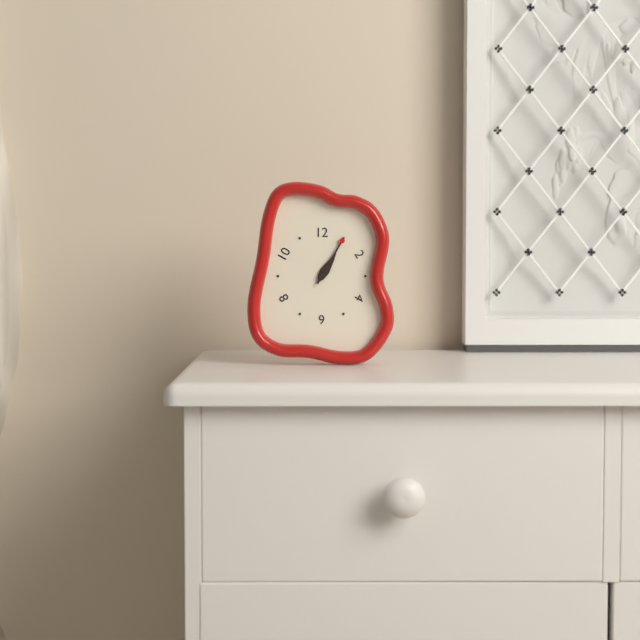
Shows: 1:05
